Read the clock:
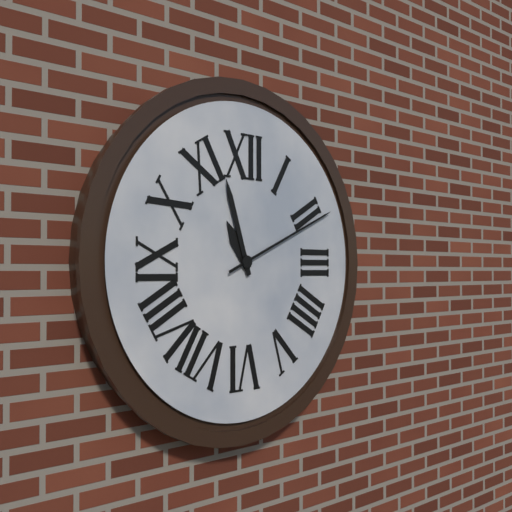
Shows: 10:57:11
